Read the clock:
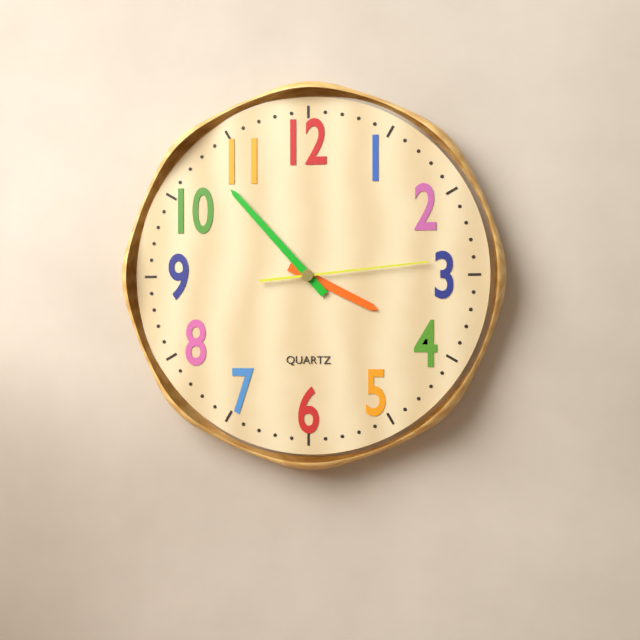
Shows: 3:53:14
